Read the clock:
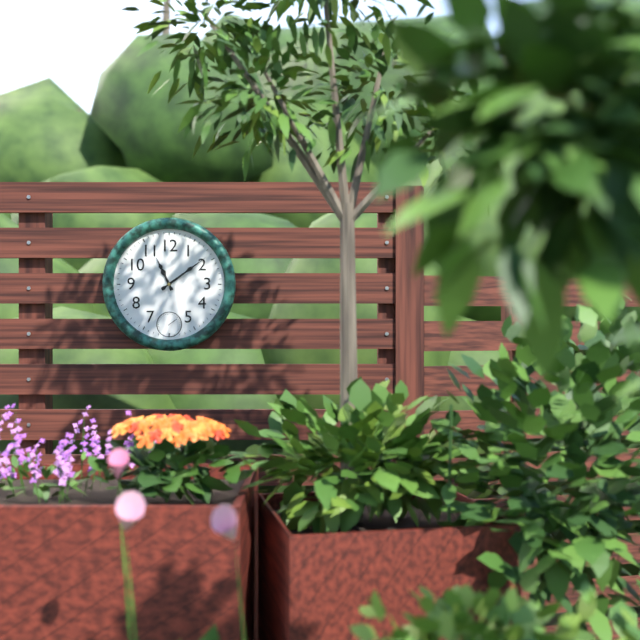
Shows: 11:09
